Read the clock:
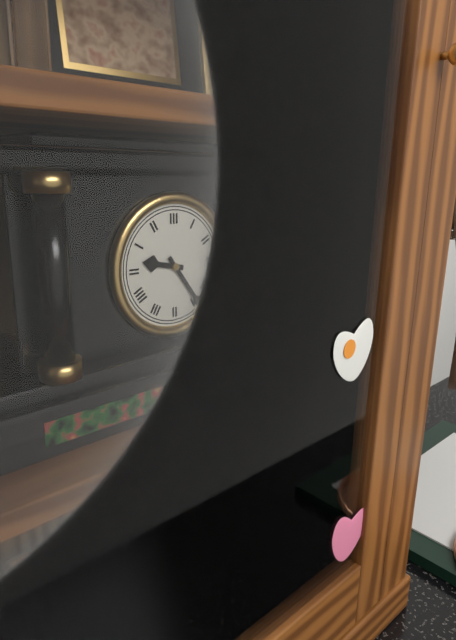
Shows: 9:24
